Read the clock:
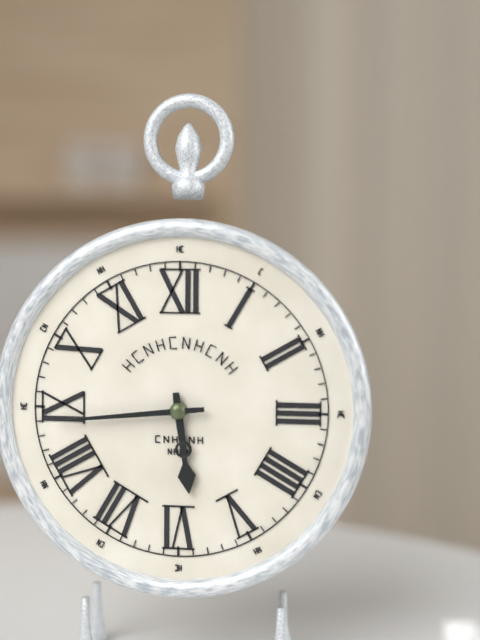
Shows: 5:44
